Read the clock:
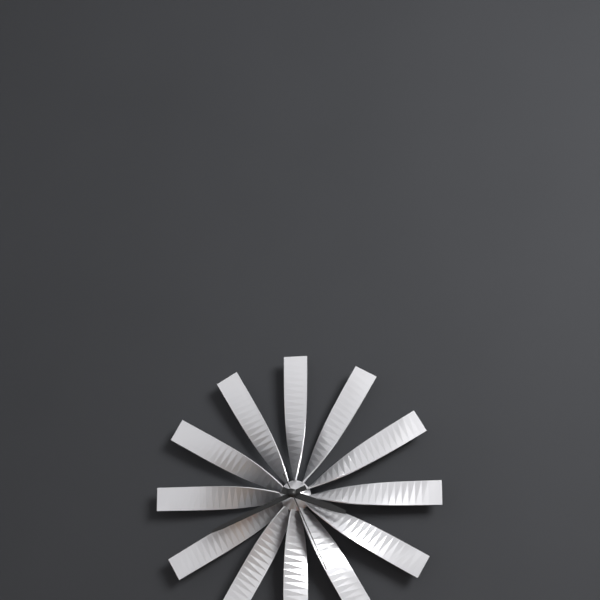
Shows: 3:41:26
